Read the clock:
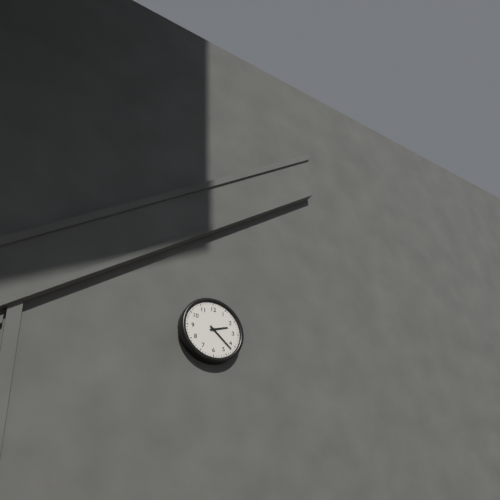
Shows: 2:22
